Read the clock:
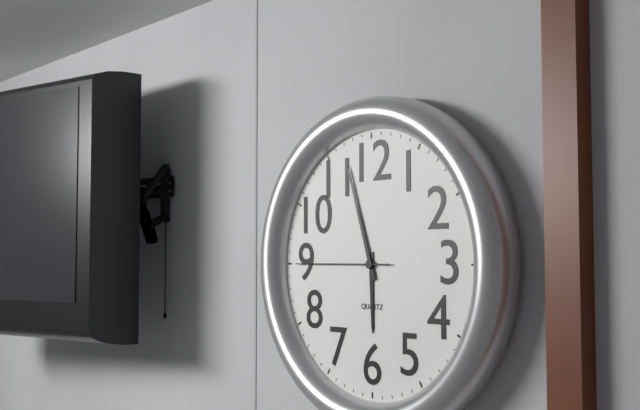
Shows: 5:57:45
